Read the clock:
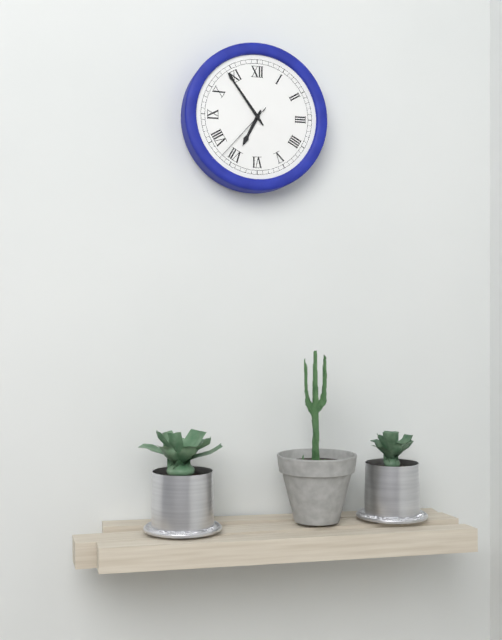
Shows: 6:54:37
